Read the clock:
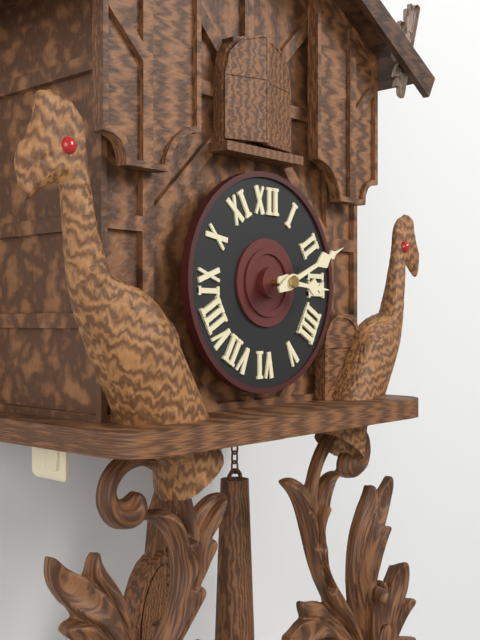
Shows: 3:11
